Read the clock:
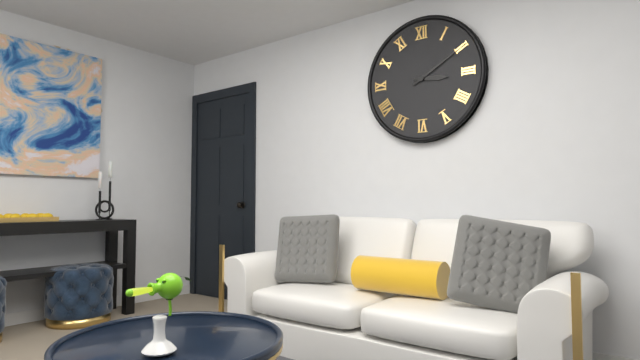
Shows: 3:10
